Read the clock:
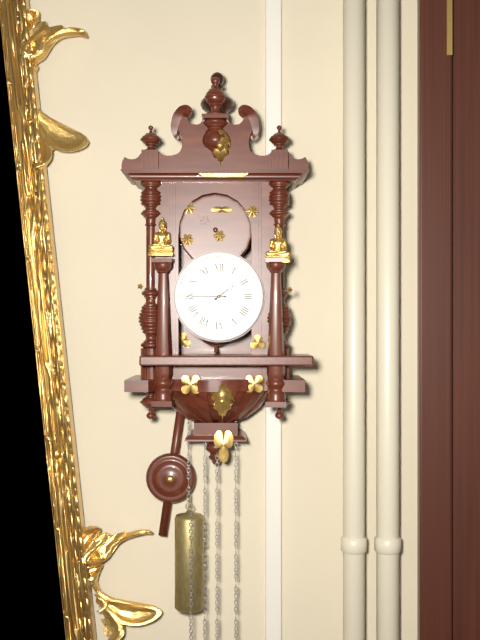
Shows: 1:45
